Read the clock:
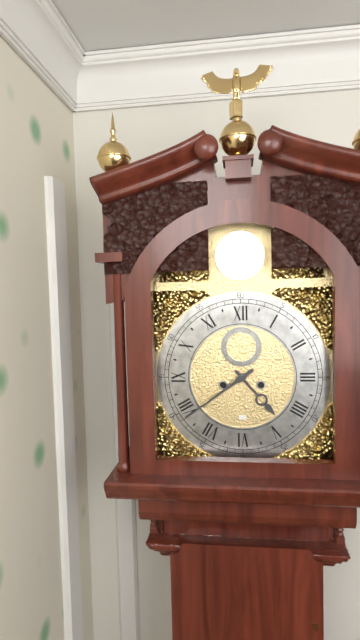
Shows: 4:39
